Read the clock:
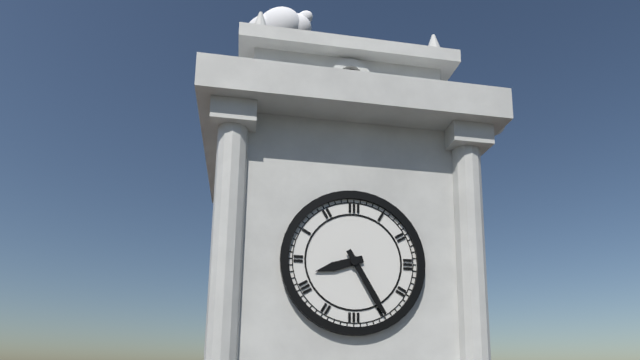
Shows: 8:25
